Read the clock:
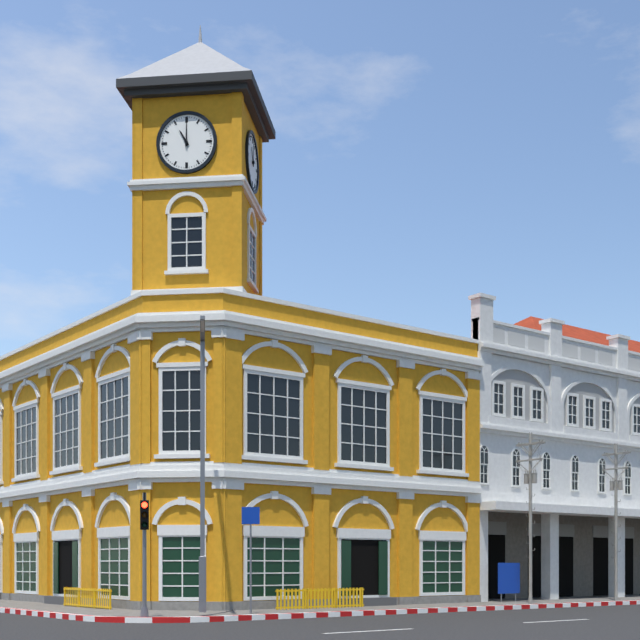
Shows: 11:00
